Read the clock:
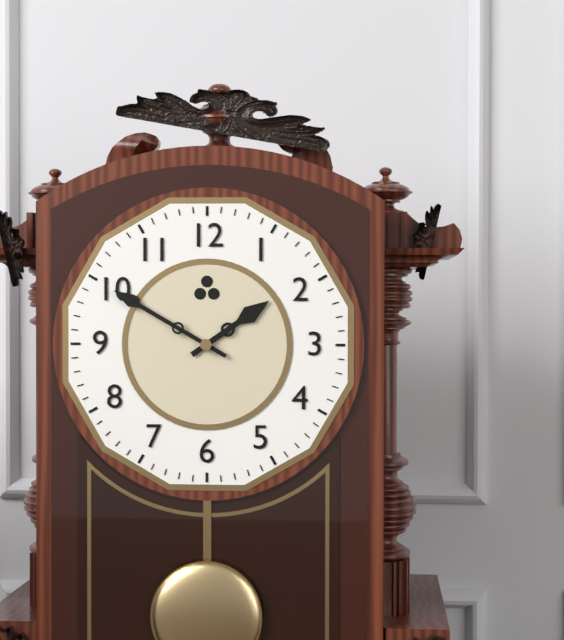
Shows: 1:50
